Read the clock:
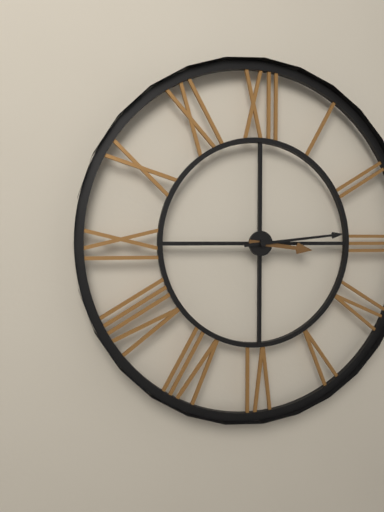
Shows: 3:14
